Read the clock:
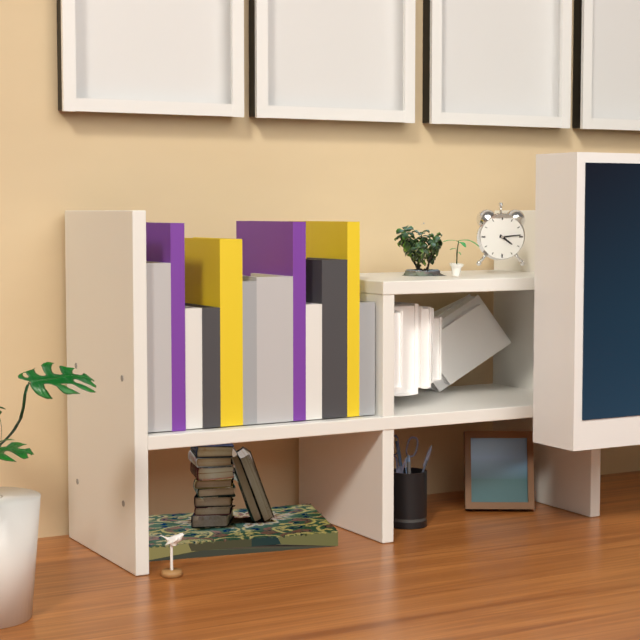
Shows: 4:14
